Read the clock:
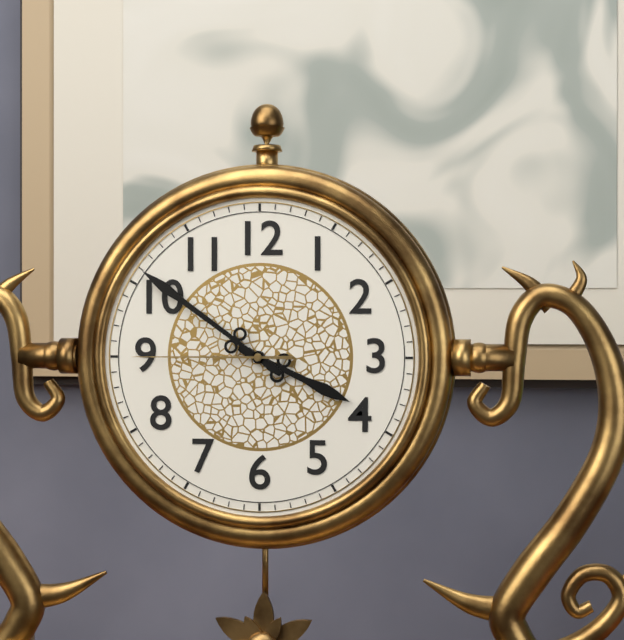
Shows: 3:51:45
